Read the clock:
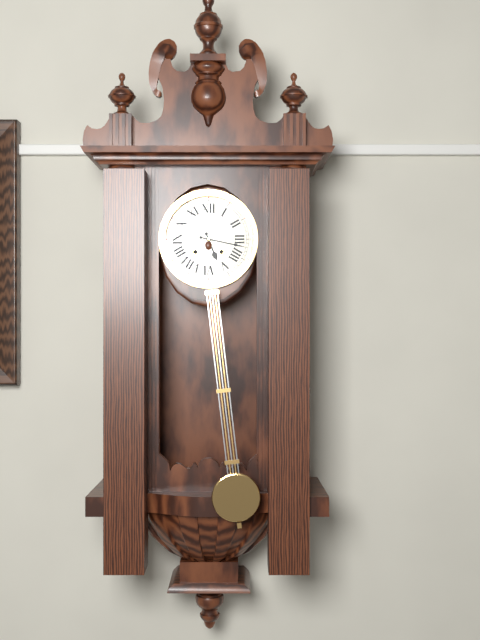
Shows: 5:17
